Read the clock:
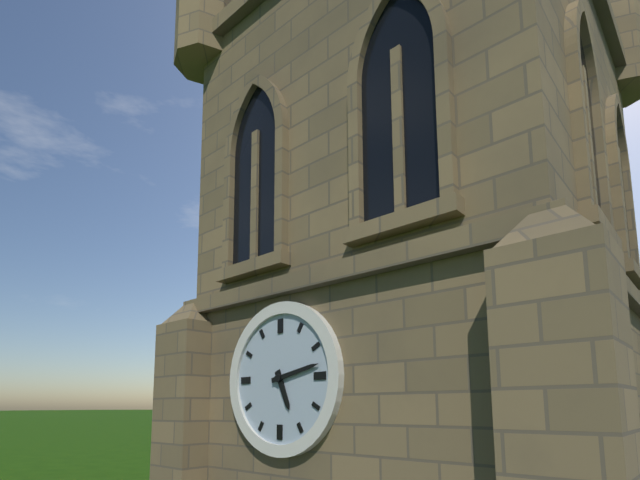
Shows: 5:13
